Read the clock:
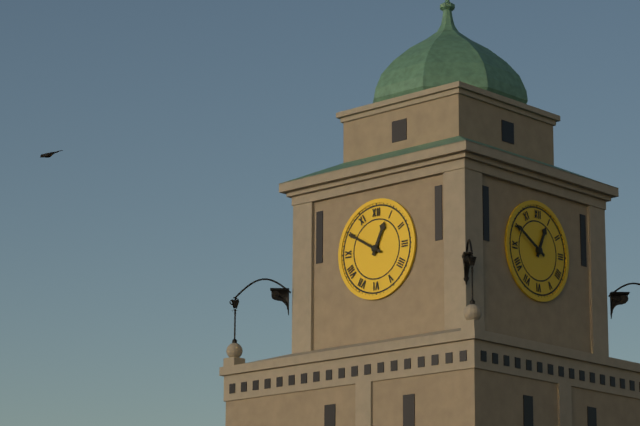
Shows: 12:50
